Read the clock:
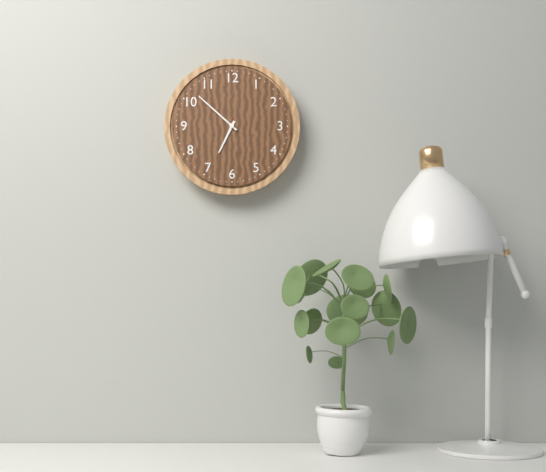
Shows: 6:52
